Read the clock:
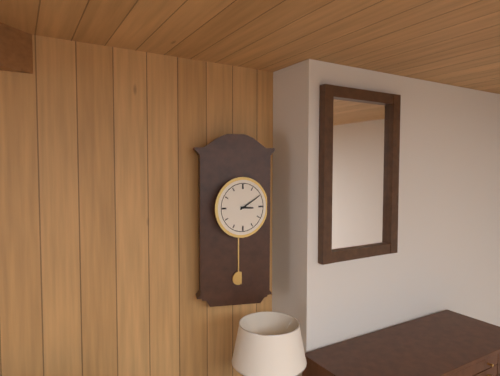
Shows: 3:10
